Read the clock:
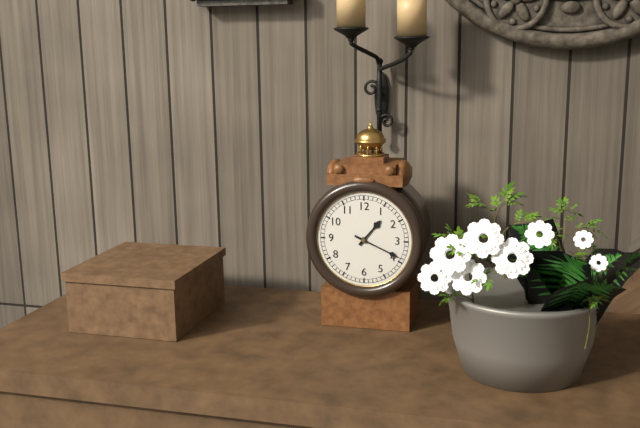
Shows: 1:19
